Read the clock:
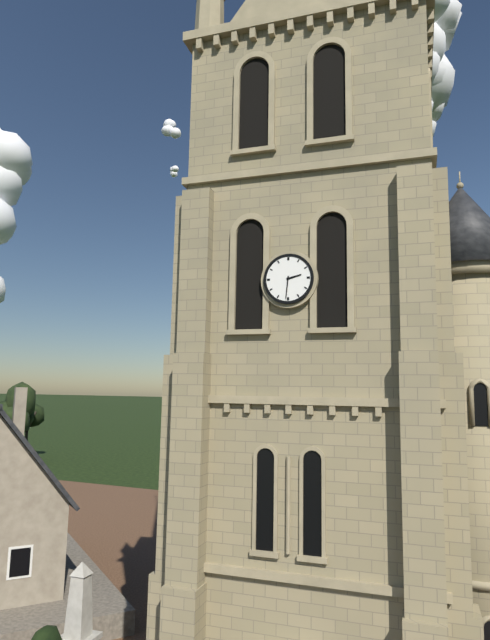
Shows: 2:31
